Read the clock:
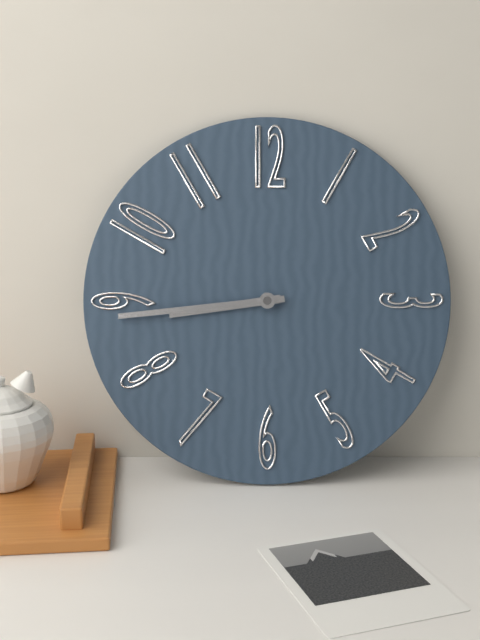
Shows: 8:44
